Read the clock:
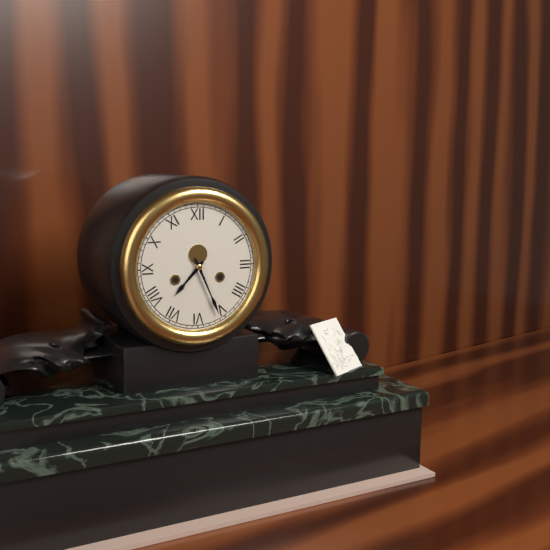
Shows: 7:26
